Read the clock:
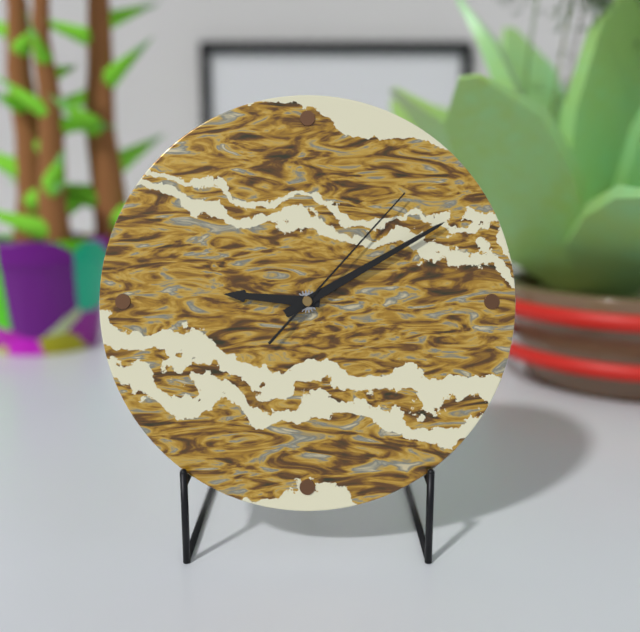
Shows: 9:10:07
